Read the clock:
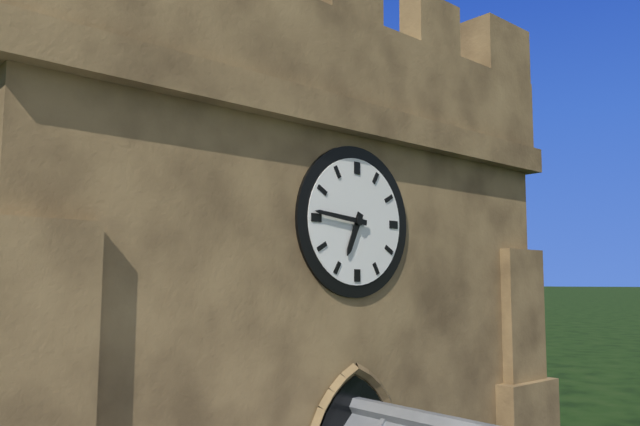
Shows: 6:46
